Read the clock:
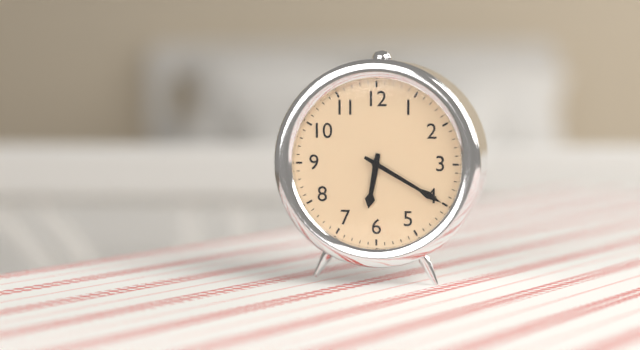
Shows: 6:20
